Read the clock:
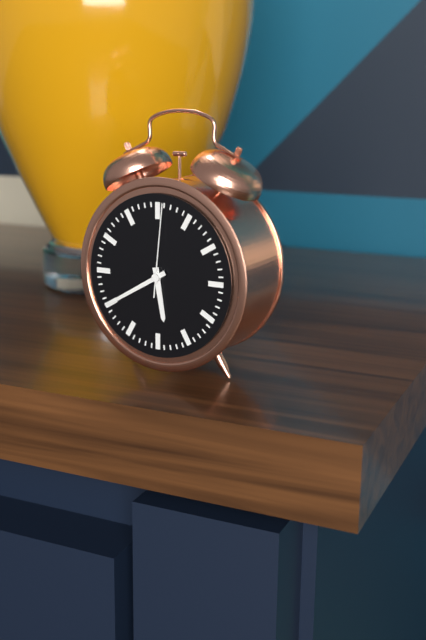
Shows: 5:40:01
